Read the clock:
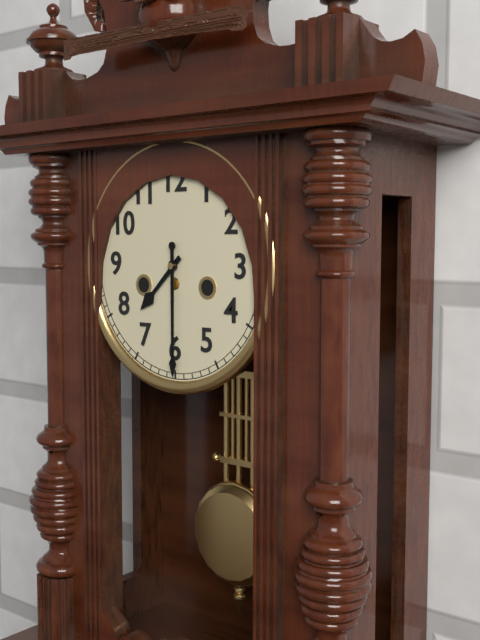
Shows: 7:30
